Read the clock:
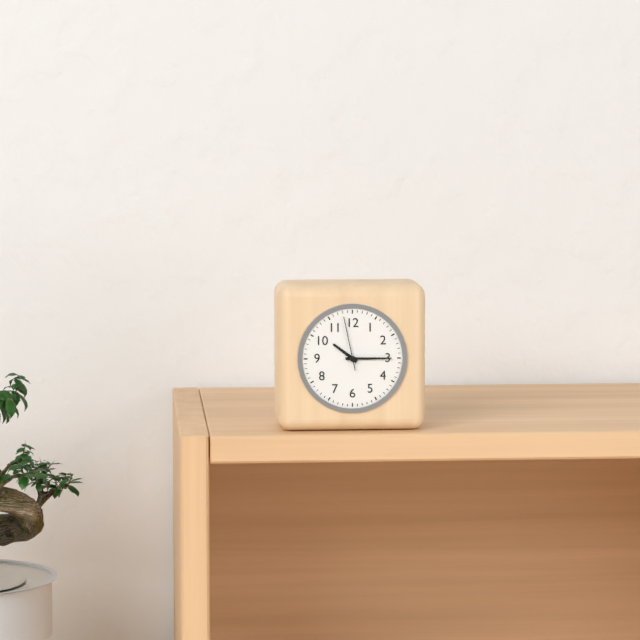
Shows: 10:15:58
